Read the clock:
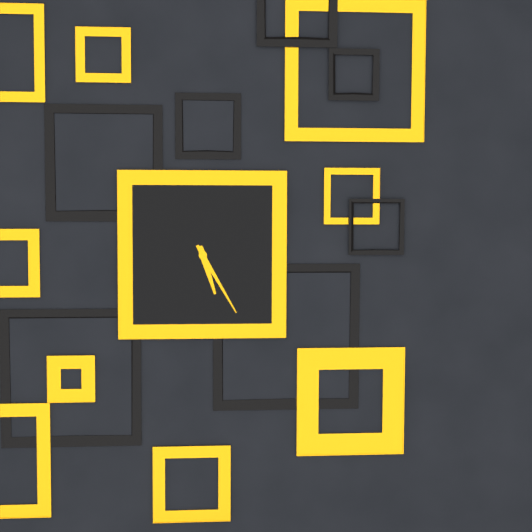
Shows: 5:25
